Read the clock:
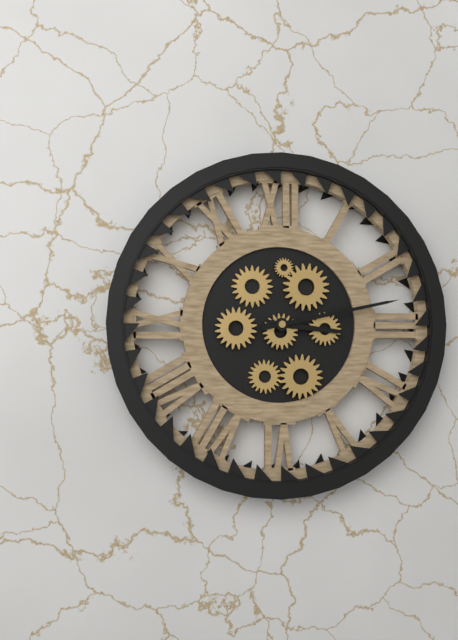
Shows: 3:13
